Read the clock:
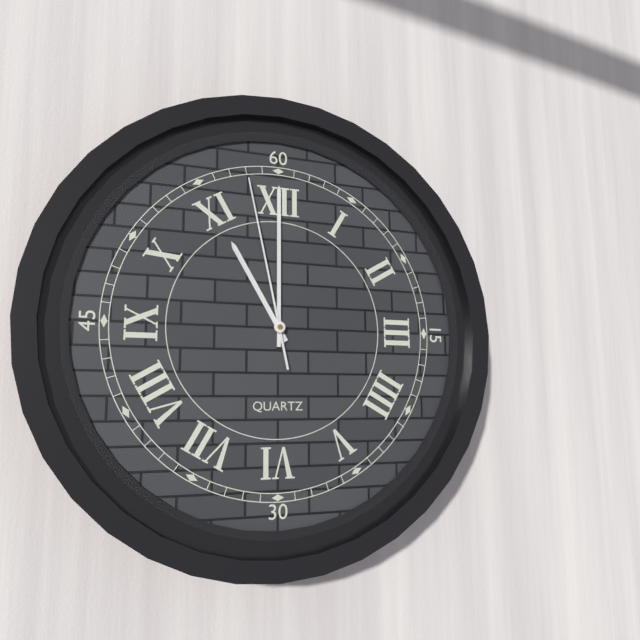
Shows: 11:00:58
